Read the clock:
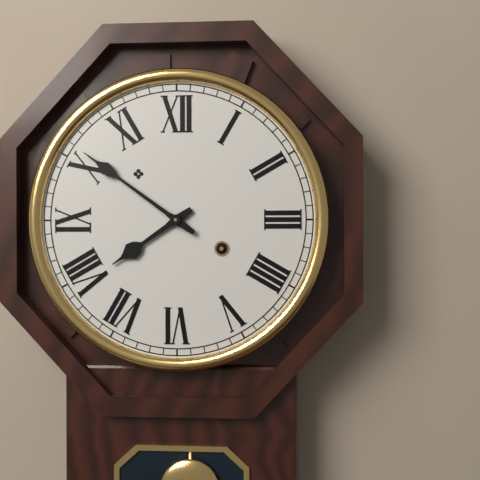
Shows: 7:51
